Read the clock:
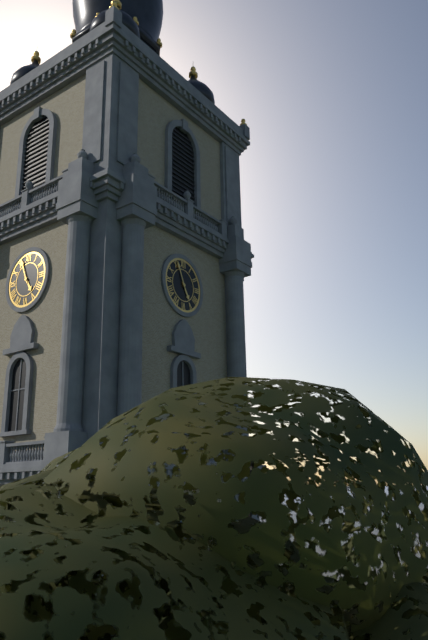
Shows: 4:56
